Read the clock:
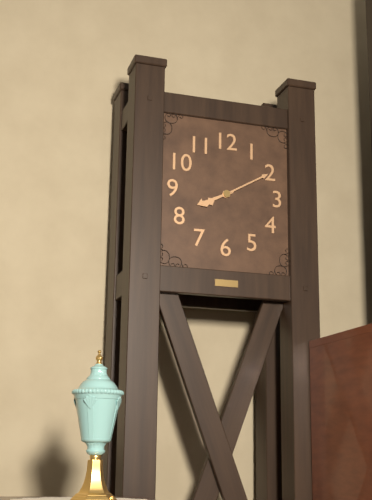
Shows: 8:10
